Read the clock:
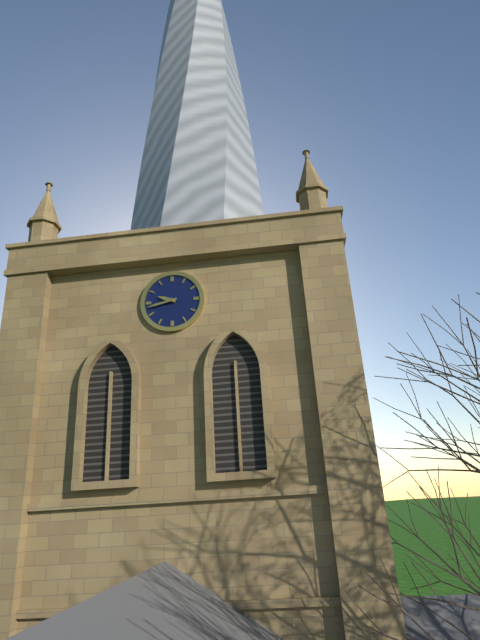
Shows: 9:43
